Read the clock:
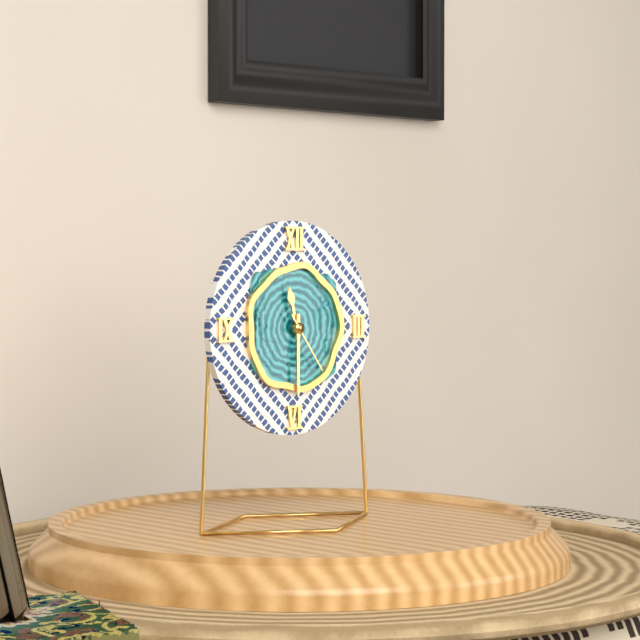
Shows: 11:30:24
